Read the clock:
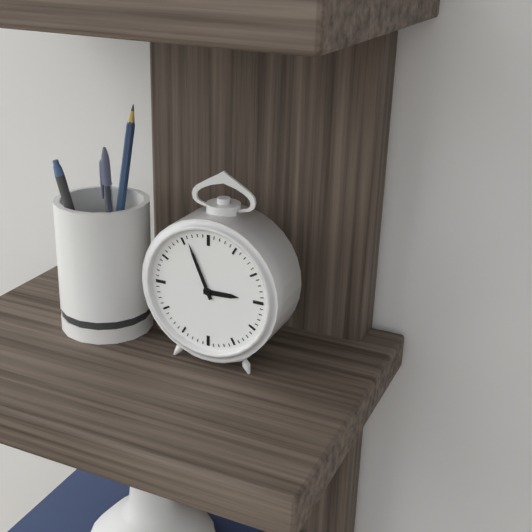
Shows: 2:56
